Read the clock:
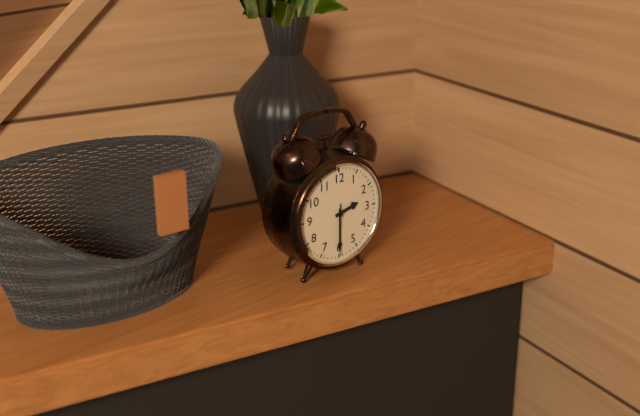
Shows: 2:30:30
